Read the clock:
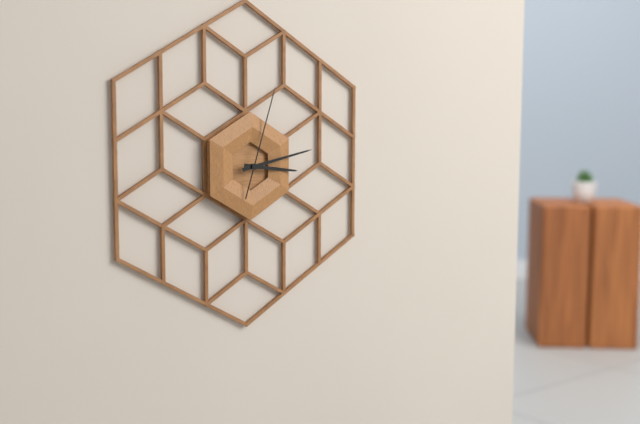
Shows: 3:13:03
